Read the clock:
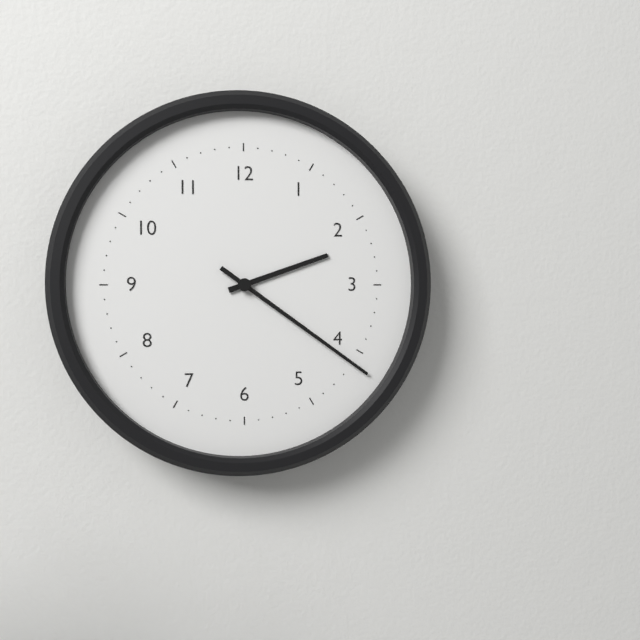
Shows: 2:21
